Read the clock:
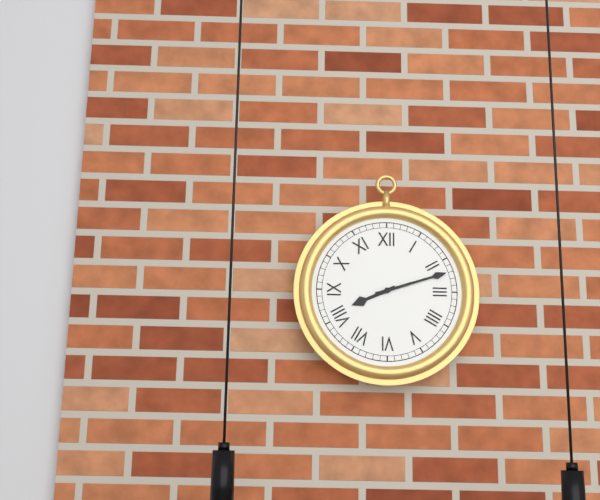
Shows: 8:12
